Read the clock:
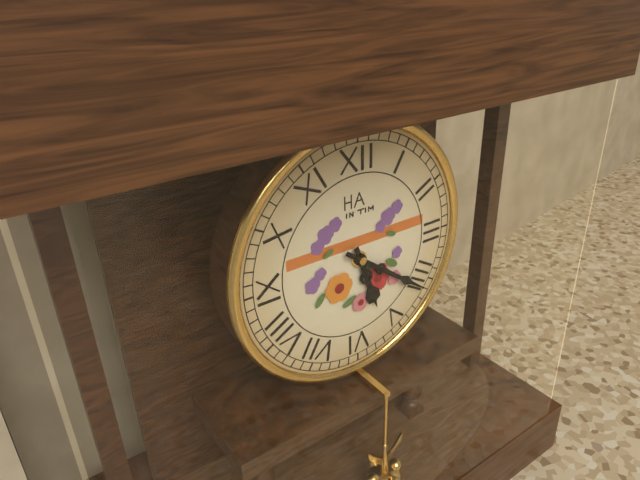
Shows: 5:21
